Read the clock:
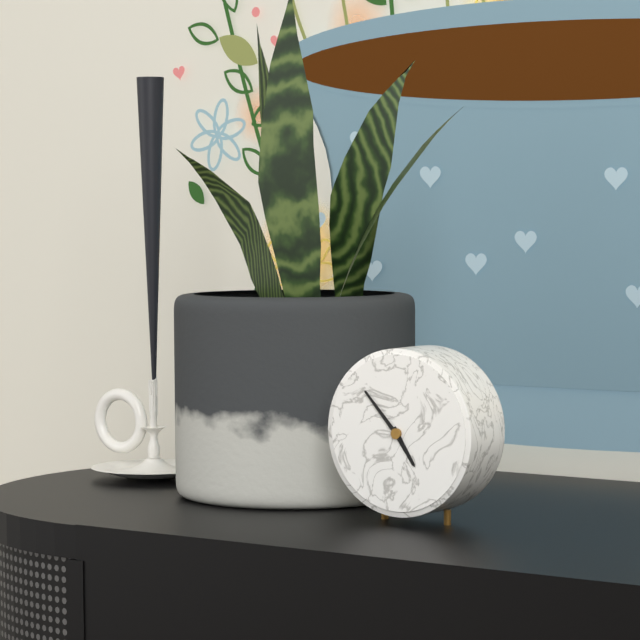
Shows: 4:53
